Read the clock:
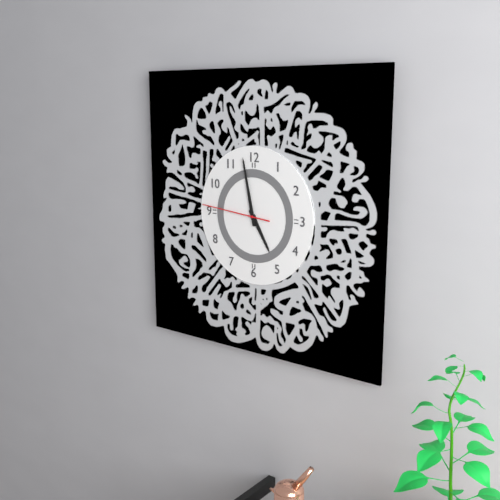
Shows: 4:58:46
